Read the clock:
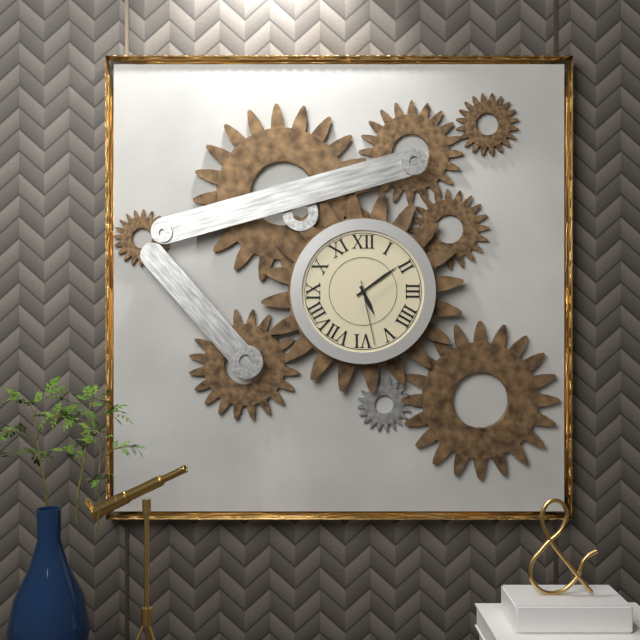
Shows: 5:09:28
